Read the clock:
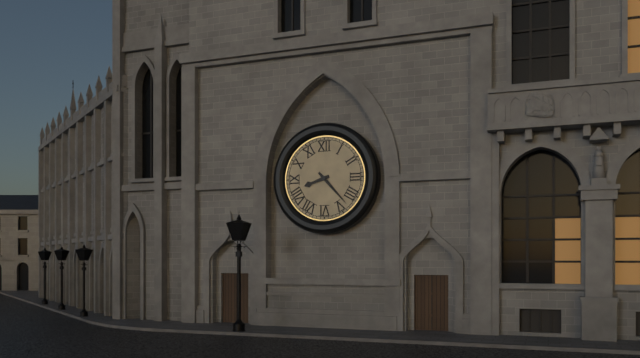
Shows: 8:23
